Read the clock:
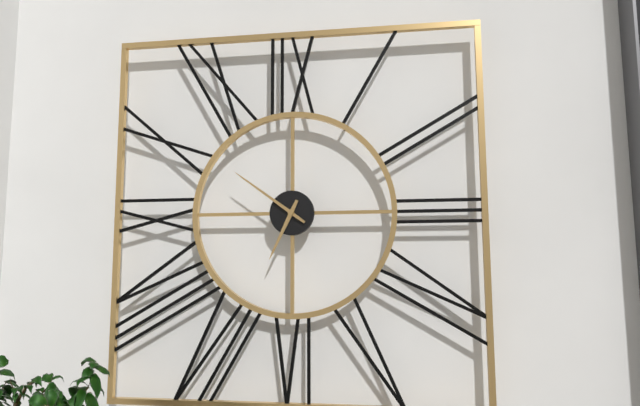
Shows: 6:51
